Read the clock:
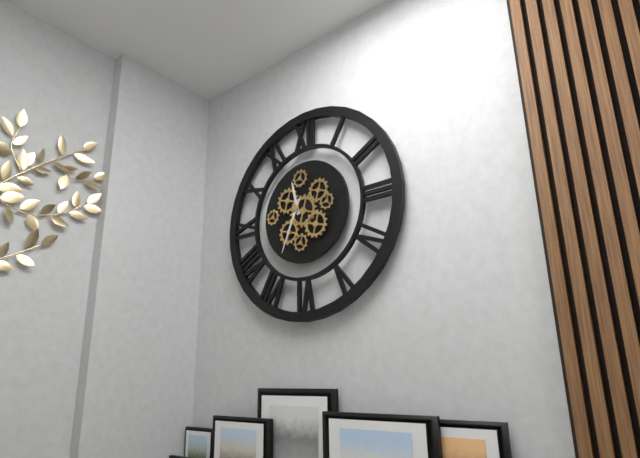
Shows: 11:34
